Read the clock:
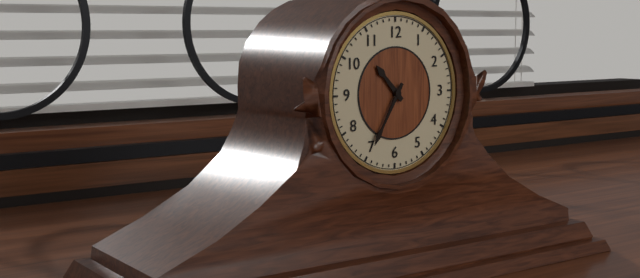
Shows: 10:35
